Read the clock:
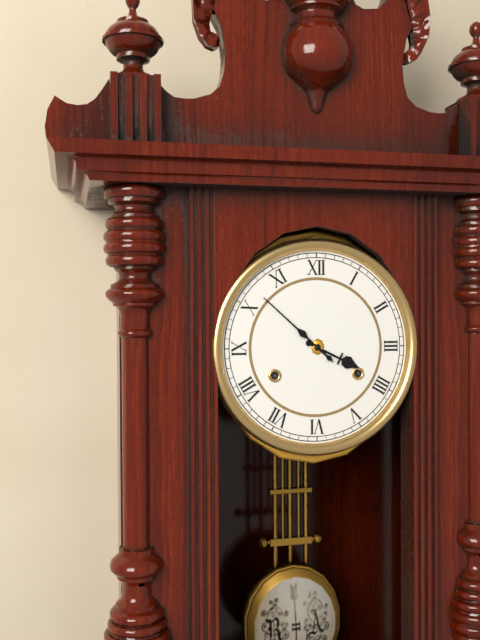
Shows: 3:52
